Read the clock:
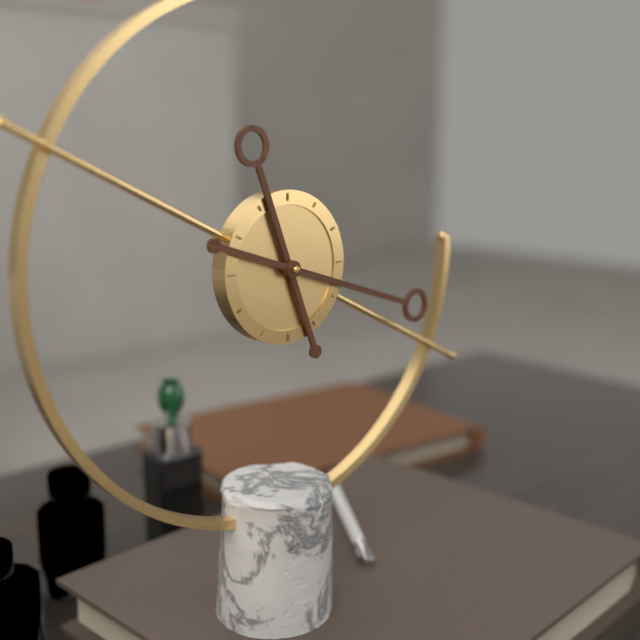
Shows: 11:18
